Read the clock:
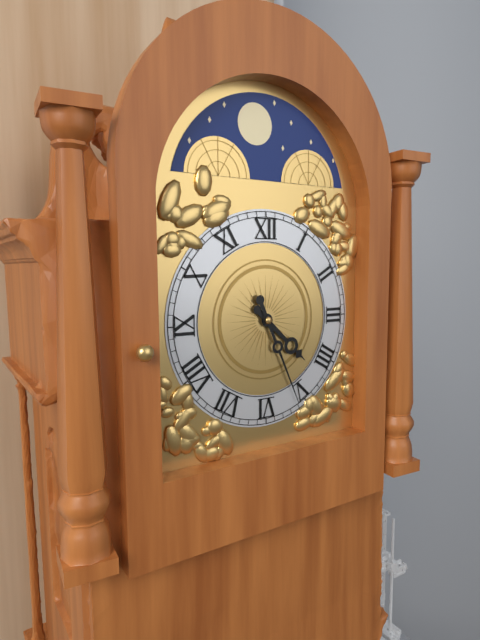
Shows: 4:26
